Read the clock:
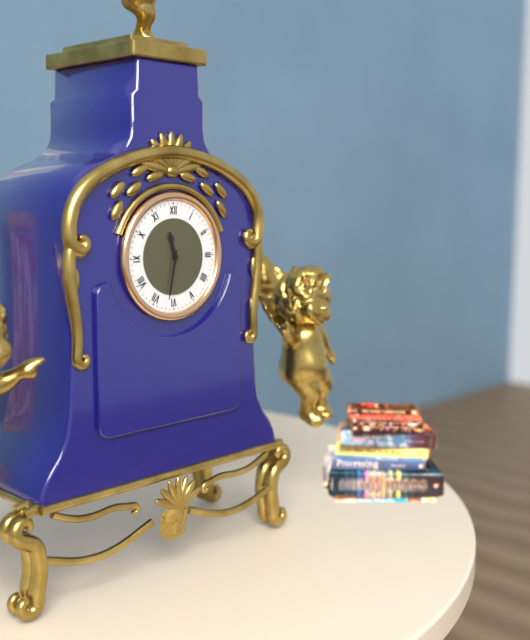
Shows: 11:32
